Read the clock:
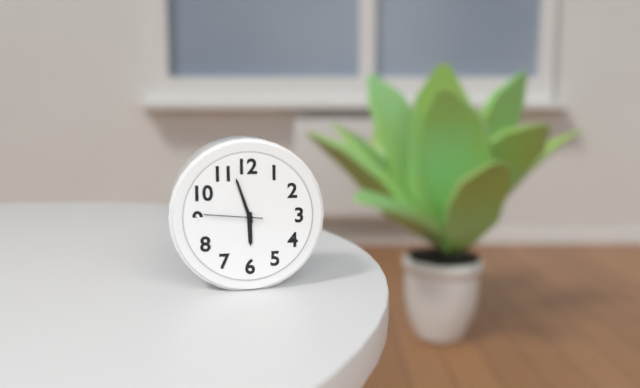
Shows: 5:57:46
